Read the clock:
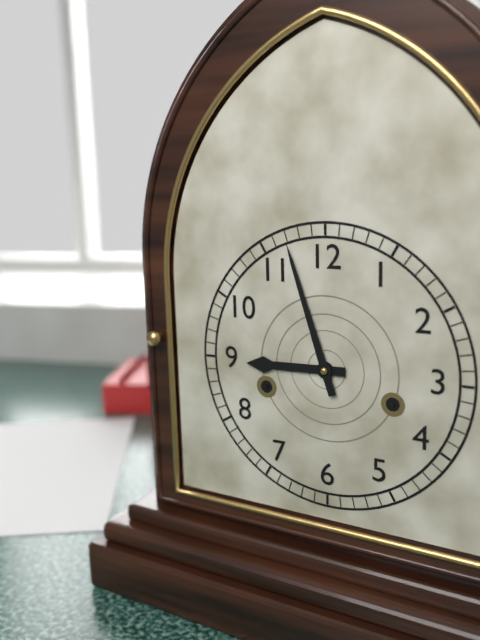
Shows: 8:57
